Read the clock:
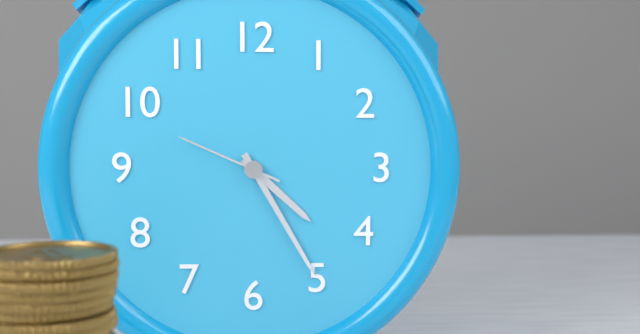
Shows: 4:25:49
